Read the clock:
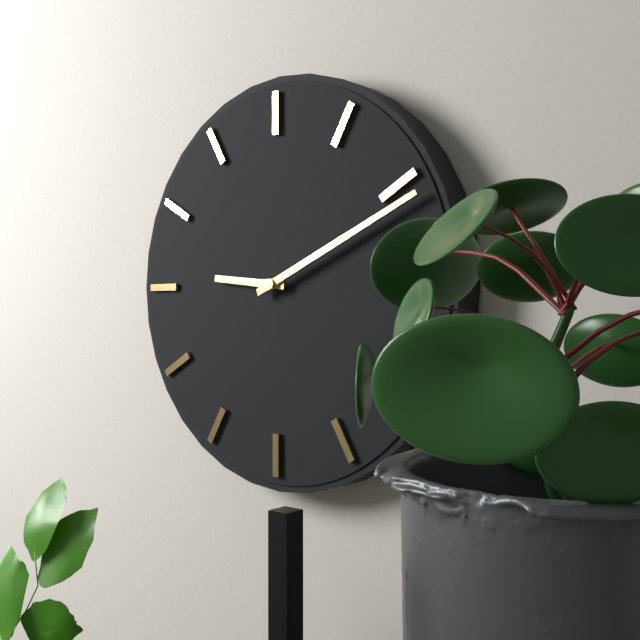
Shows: 9:11
